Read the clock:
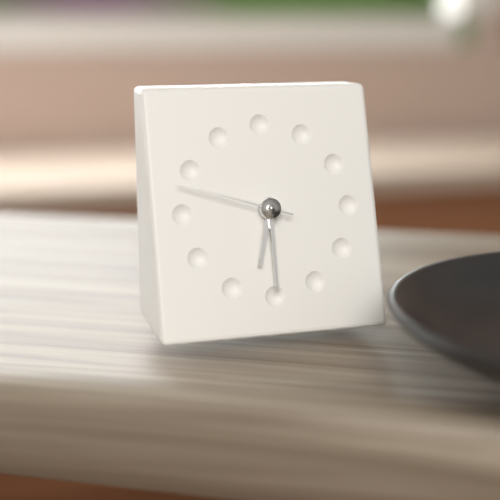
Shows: 6:30:48
